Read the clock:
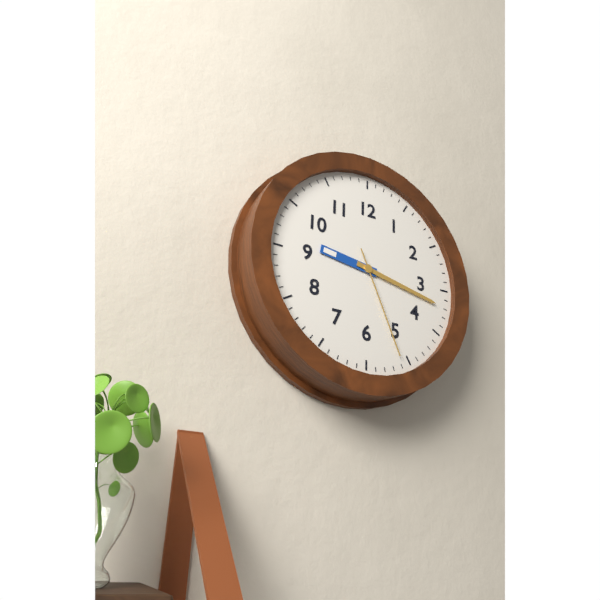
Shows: 9:17:26
